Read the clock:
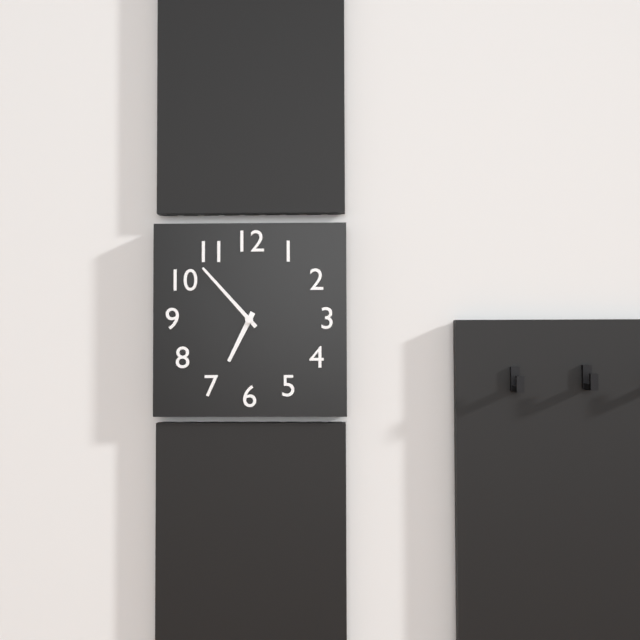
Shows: 6:53
